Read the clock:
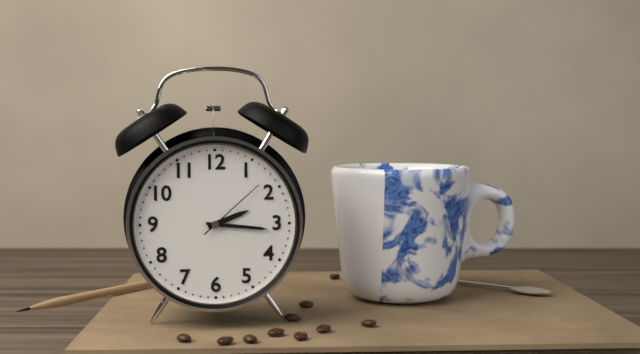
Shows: 2:16:08
